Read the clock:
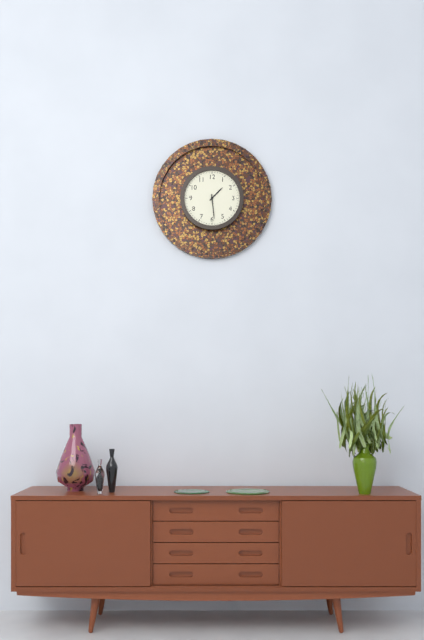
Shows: 1:29
